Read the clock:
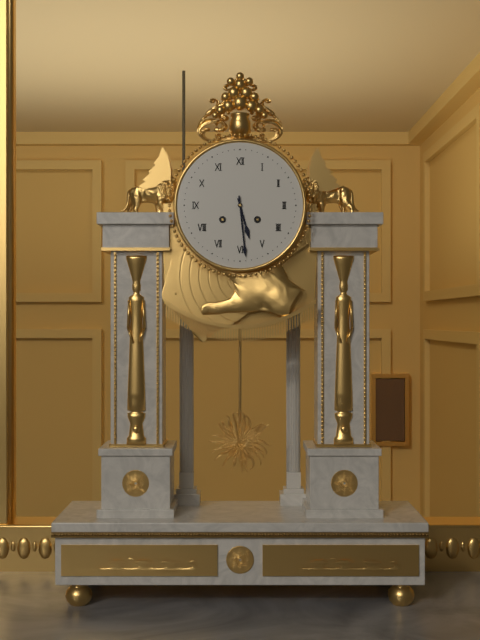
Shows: 5:29
